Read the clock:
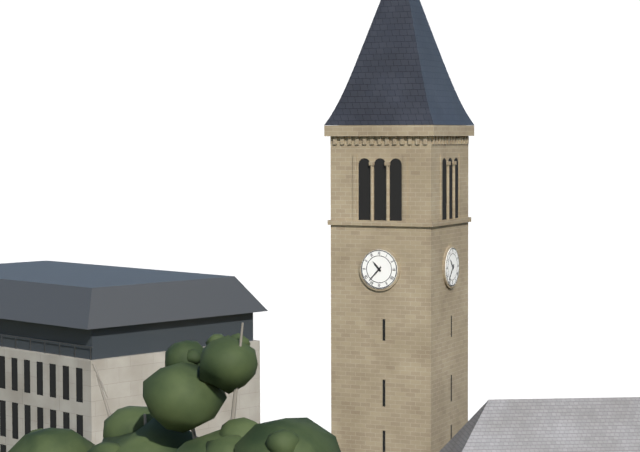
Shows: 10:37
